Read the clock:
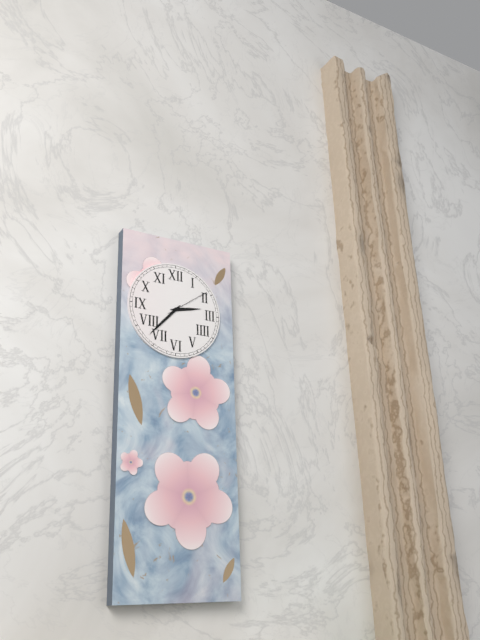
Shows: 2:37
